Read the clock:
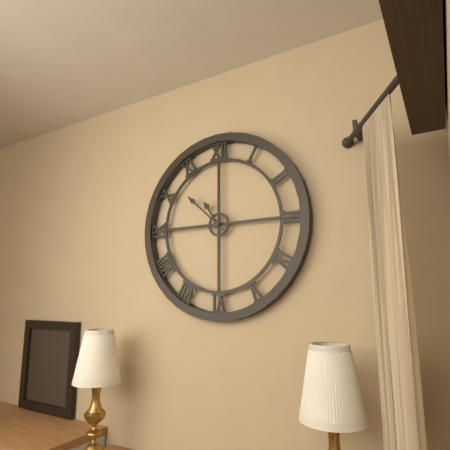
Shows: 10:52
